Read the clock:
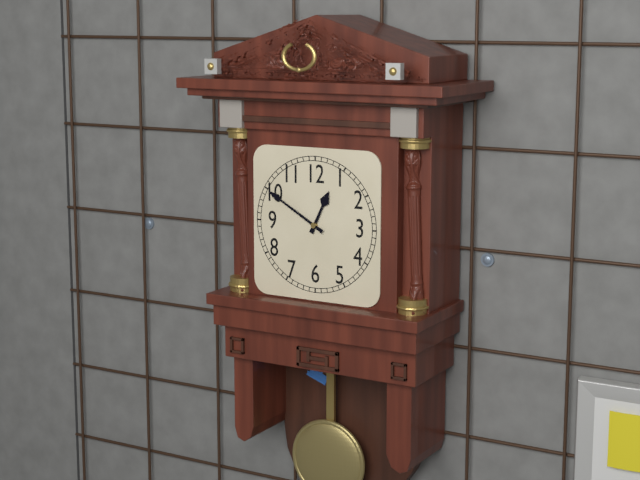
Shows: 12:50
